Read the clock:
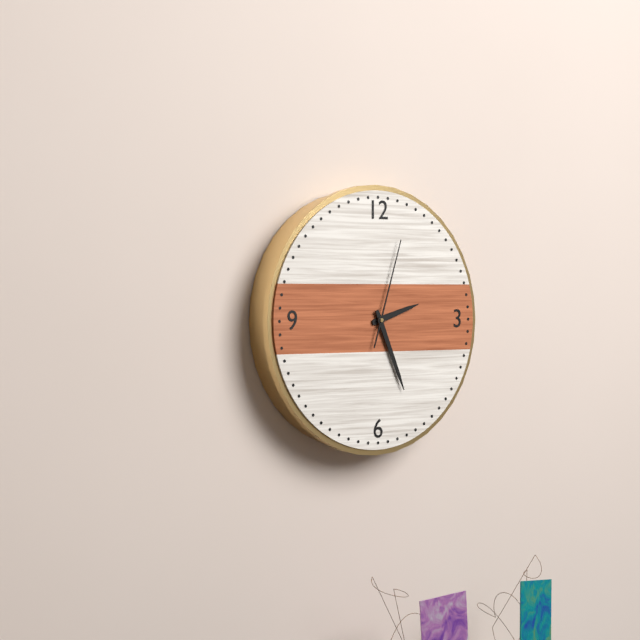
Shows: 2:26:03
